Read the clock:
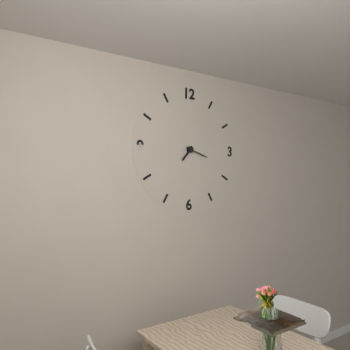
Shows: 7:18
